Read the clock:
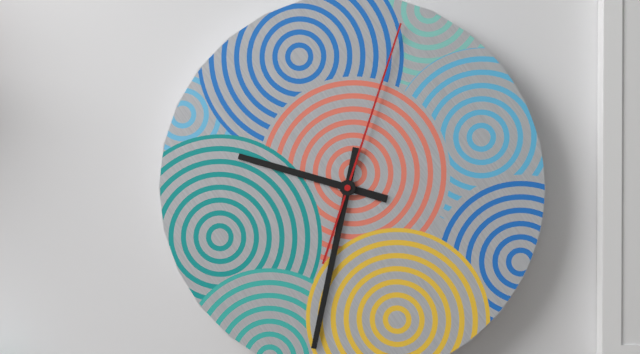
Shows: 9:32:03
